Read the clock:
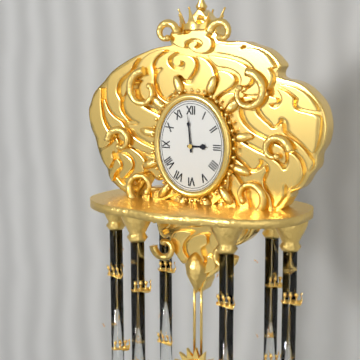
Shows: 2:59
